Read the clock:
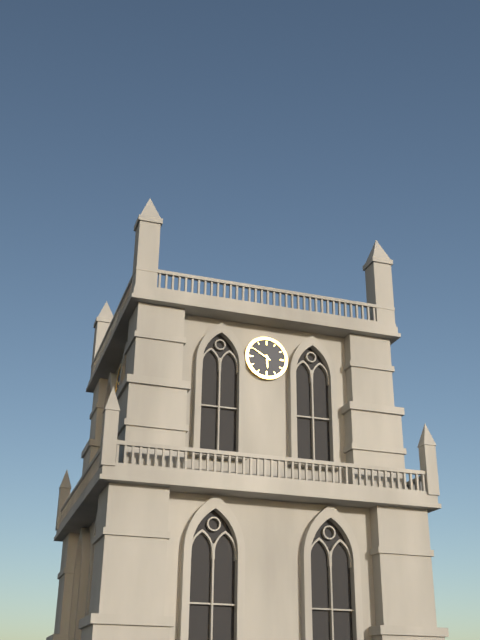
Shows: 5:50
